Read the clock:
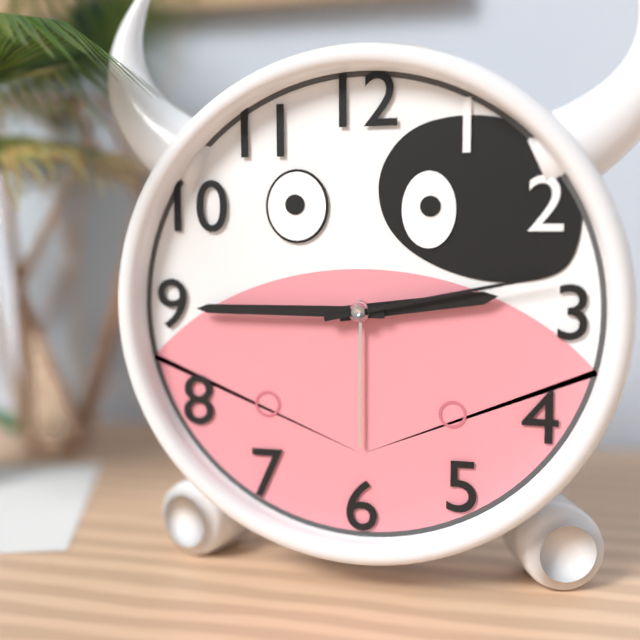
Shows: 2:45:13
